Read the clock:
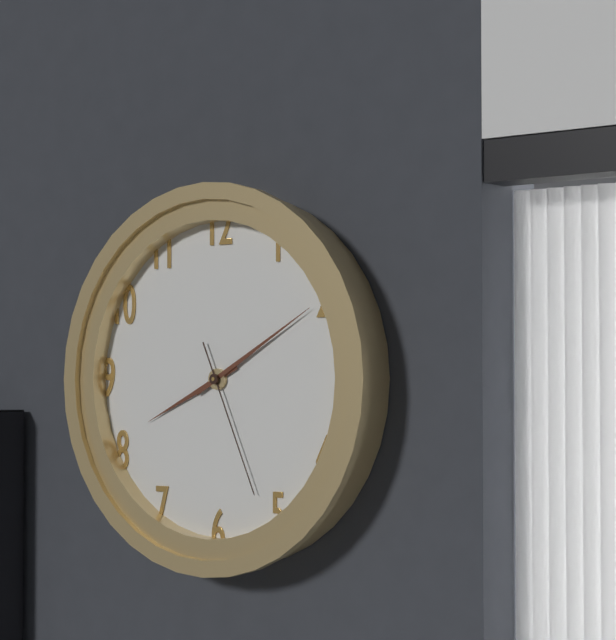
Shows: 8:10:26
